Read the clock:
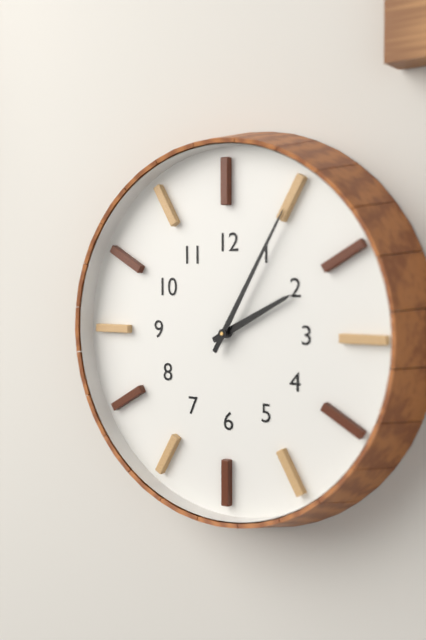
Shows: 2:05
